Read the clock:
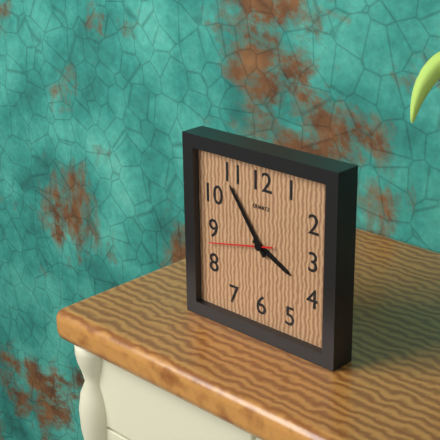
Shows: 3:54:43
